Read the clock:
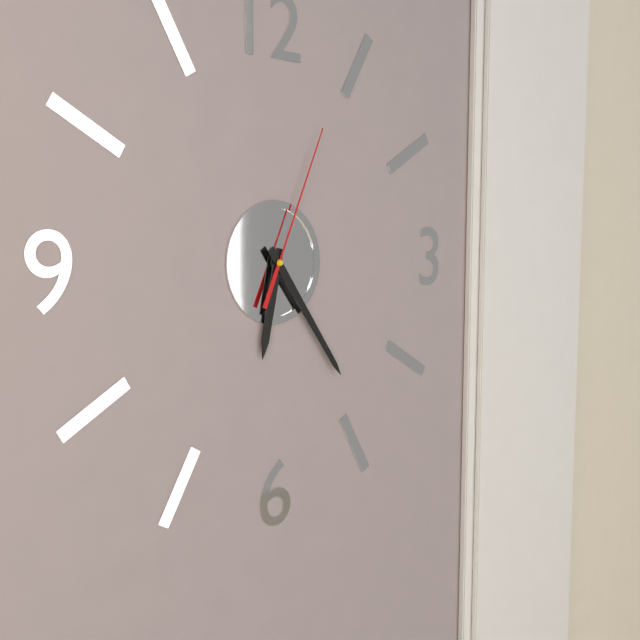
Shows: 6:24:04
